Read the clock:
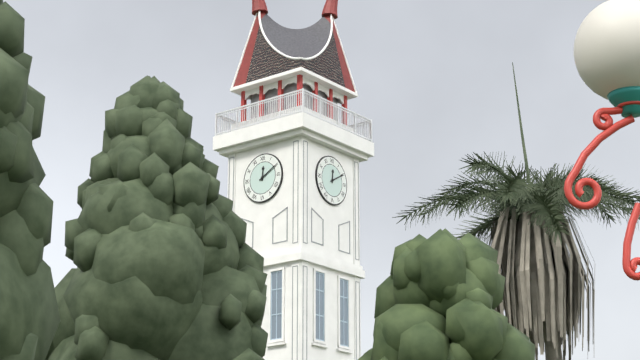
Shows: 12:10
